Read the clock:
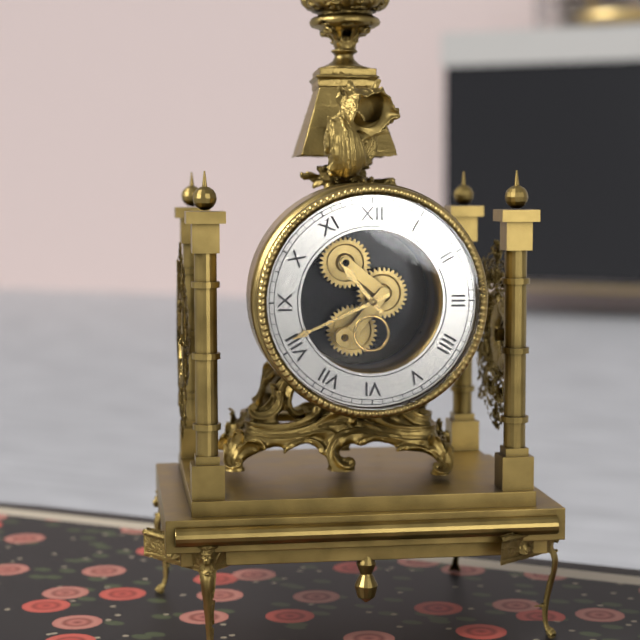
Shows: 10:41
